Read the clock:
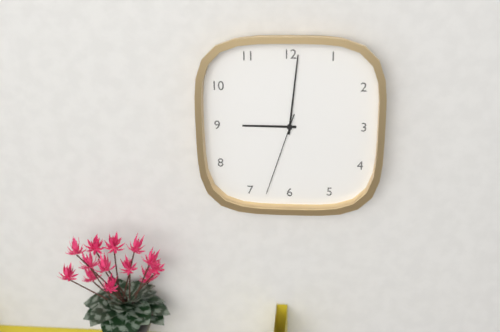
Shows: 9:01:33
